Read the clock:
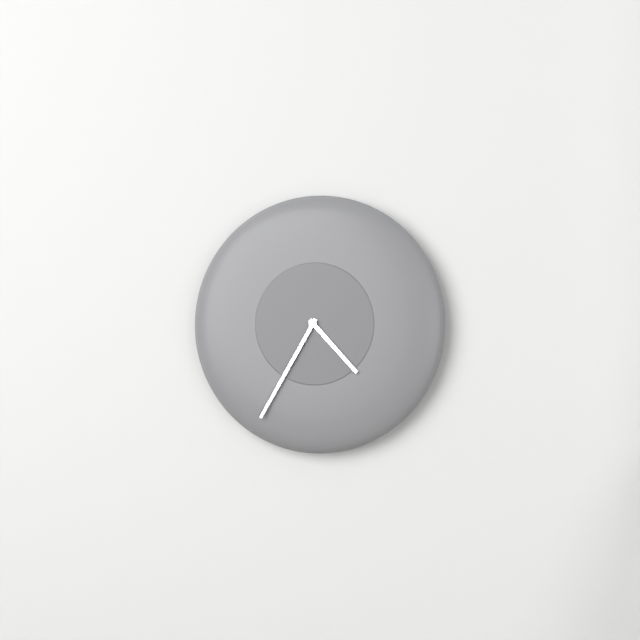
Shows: 4:35
